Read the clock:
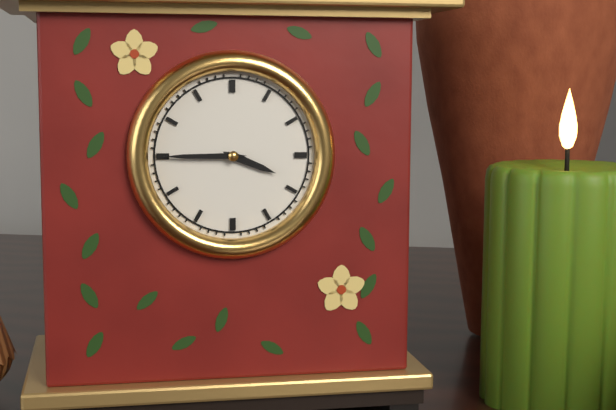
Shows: 3:45
